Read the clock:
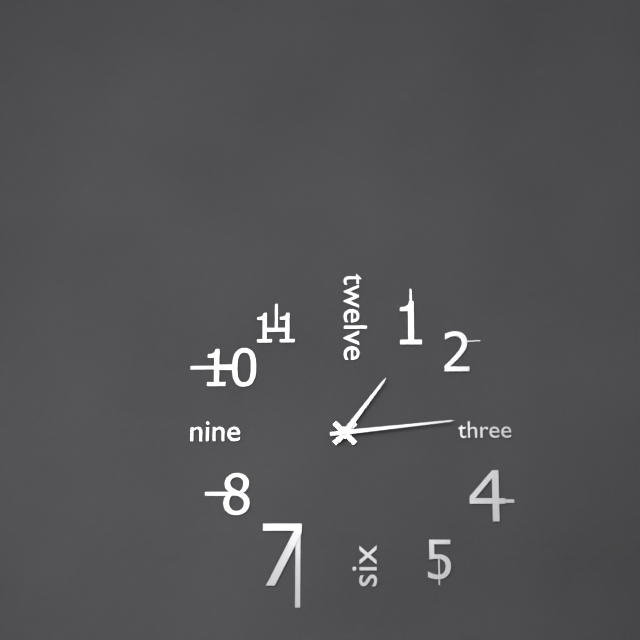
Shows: 1:14
